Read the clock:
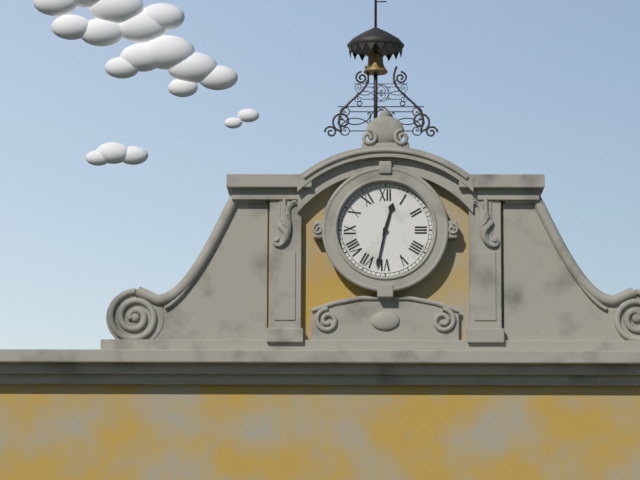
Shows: 12:32
